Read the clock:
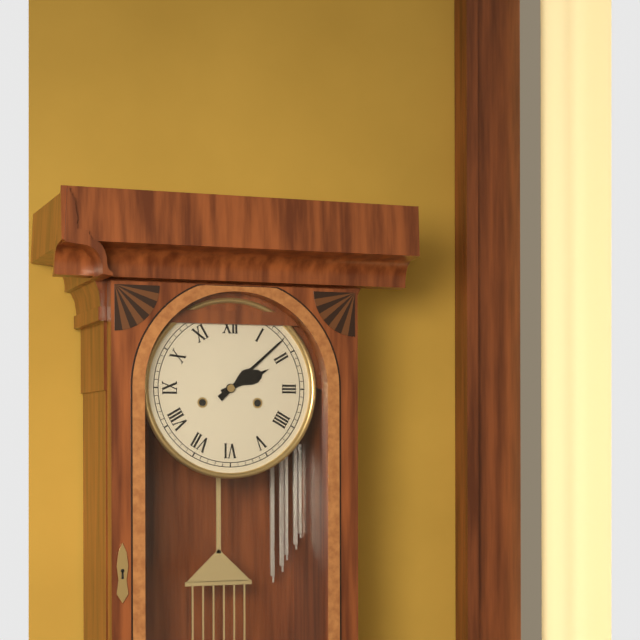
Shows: 2:08
